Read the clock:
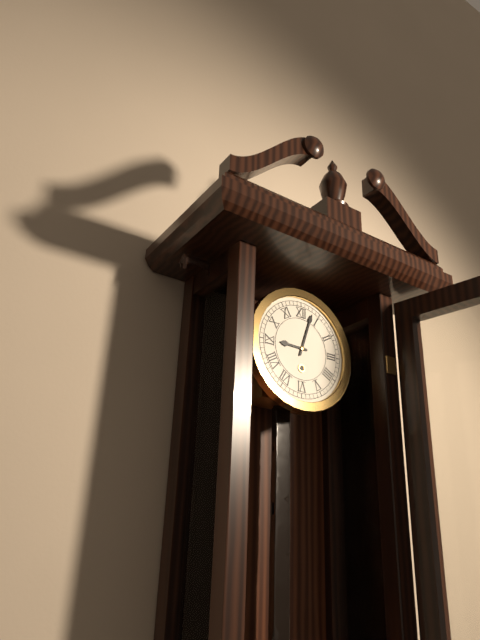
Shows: 9:03
